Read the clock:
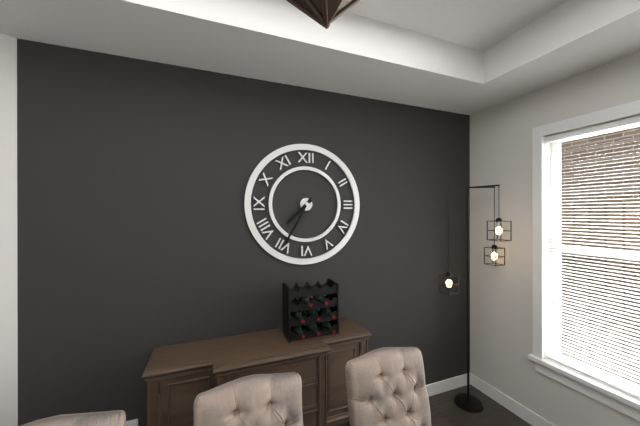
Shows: 7:35
